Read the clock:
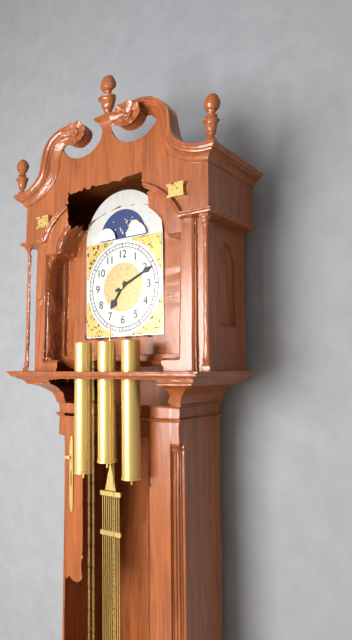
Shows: 7:11
